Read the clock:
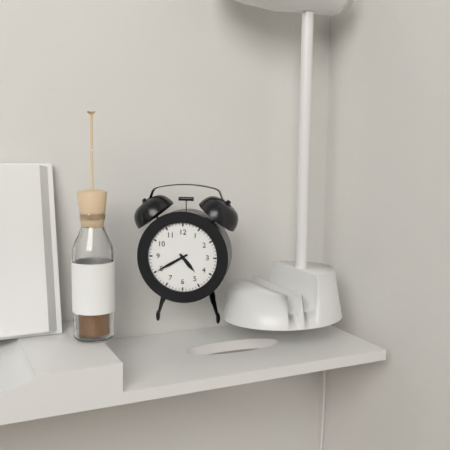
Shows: 4:40
